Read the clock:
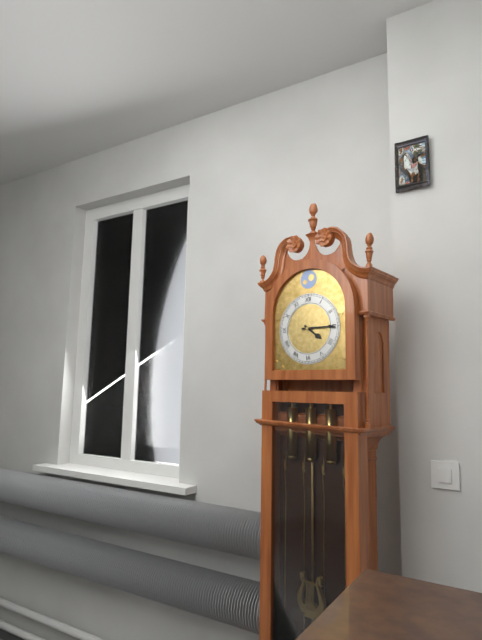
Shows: 4:15
